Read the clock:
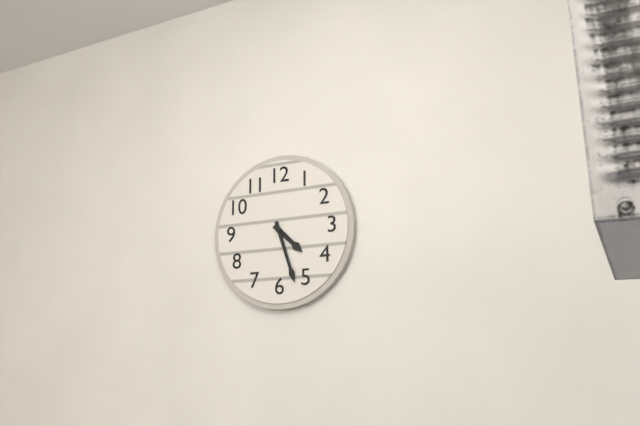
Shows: 4:27
